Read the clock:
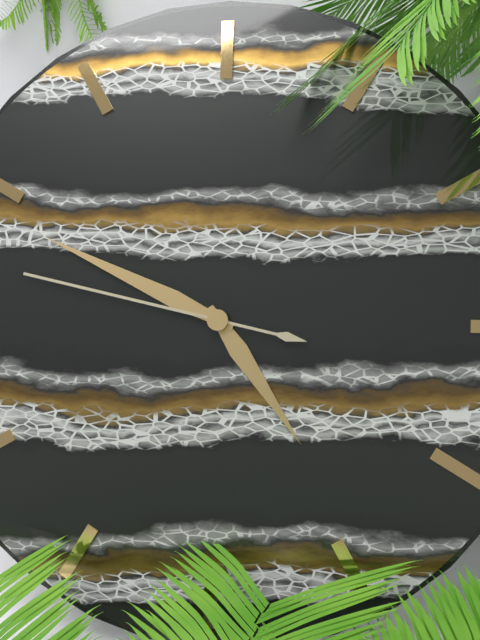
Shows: 4:49:47
